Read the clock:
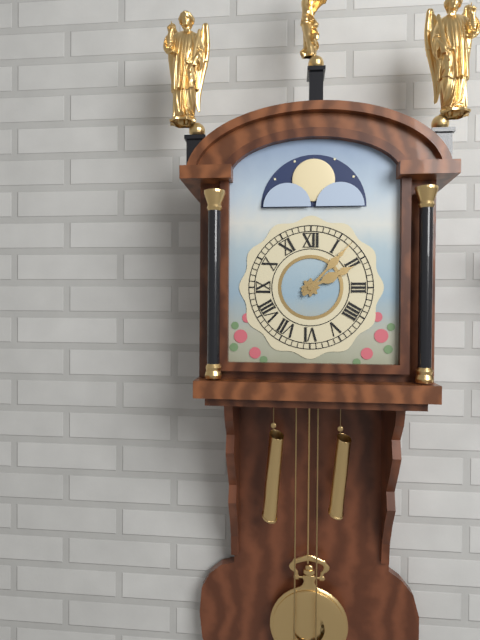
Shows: 2:07
